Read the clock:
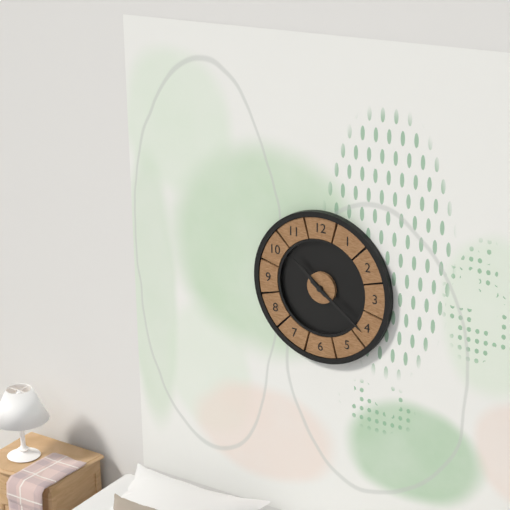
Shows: 10:21
